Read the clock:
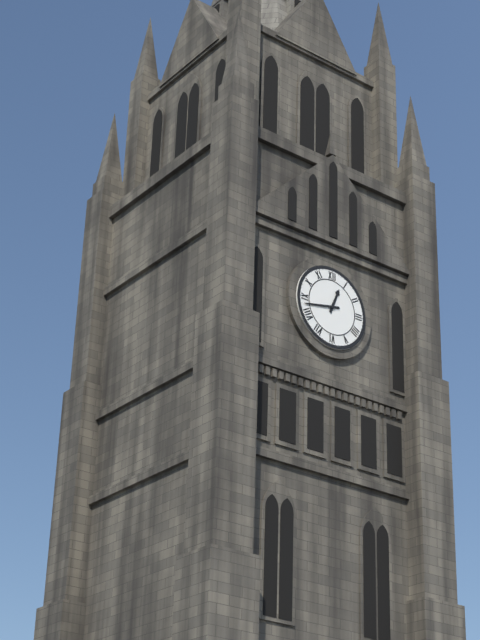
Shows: 12:43
